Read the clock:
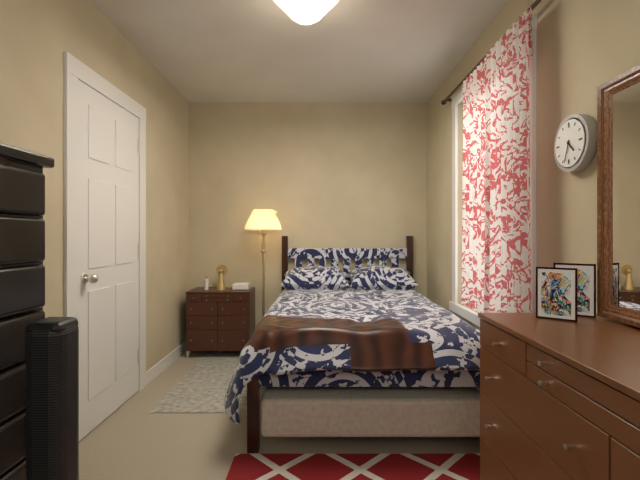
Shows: 4:33
